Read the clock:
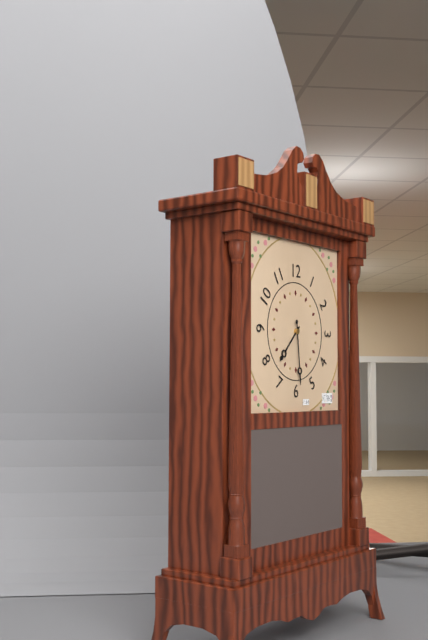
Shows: 7:29
